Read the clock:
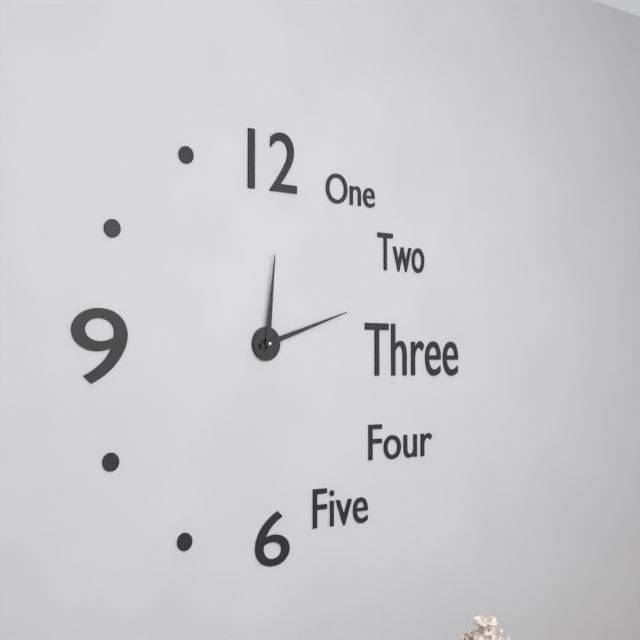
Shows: 12:12
